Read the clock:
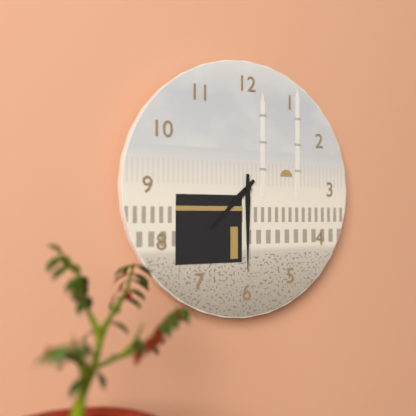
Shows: 7:30
